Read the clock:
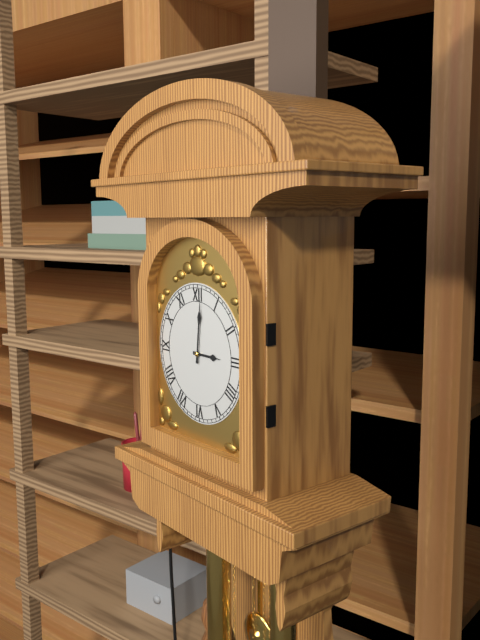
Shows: 3:01
